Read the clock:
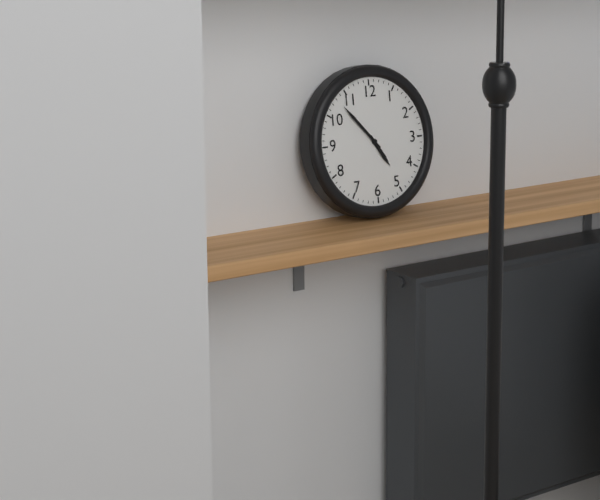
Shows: 4:53
